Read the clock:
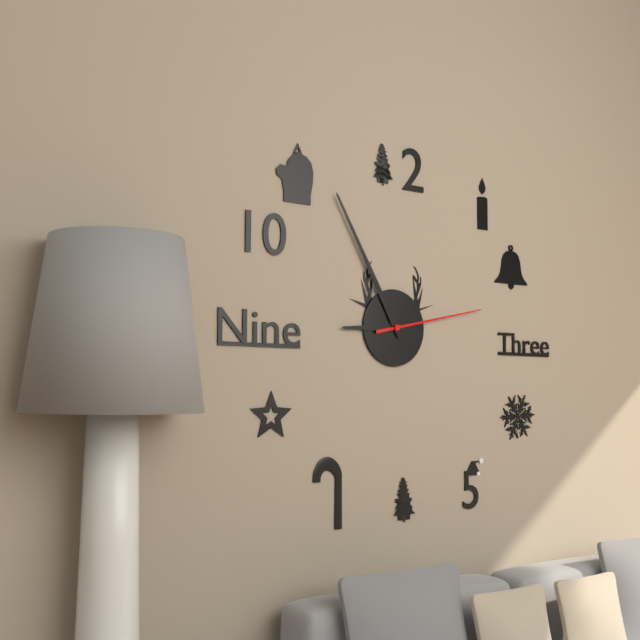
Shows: 8:55:13
